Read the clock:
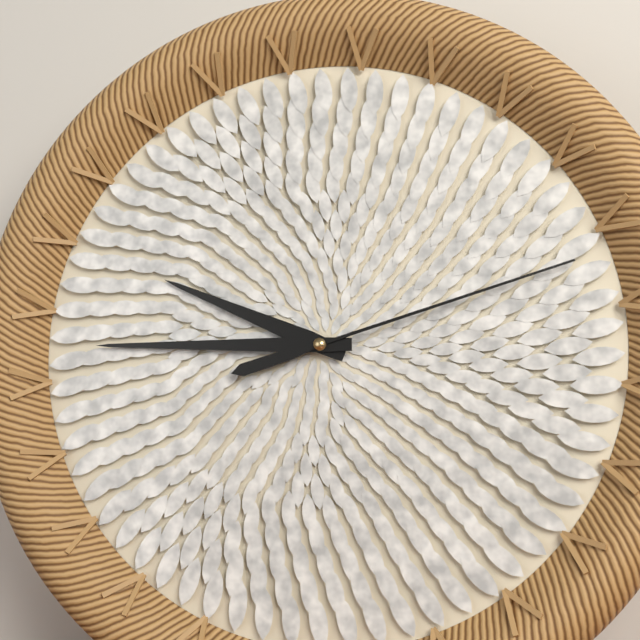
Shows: 9:45:12
